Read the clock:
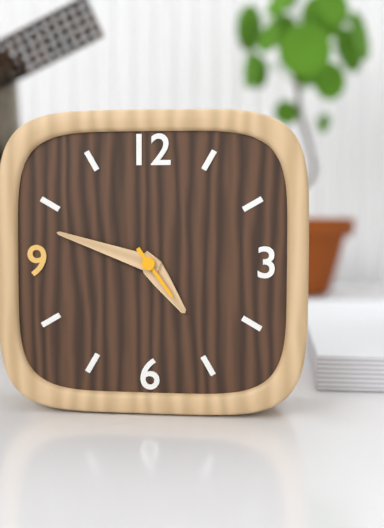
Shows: 4:48:24
